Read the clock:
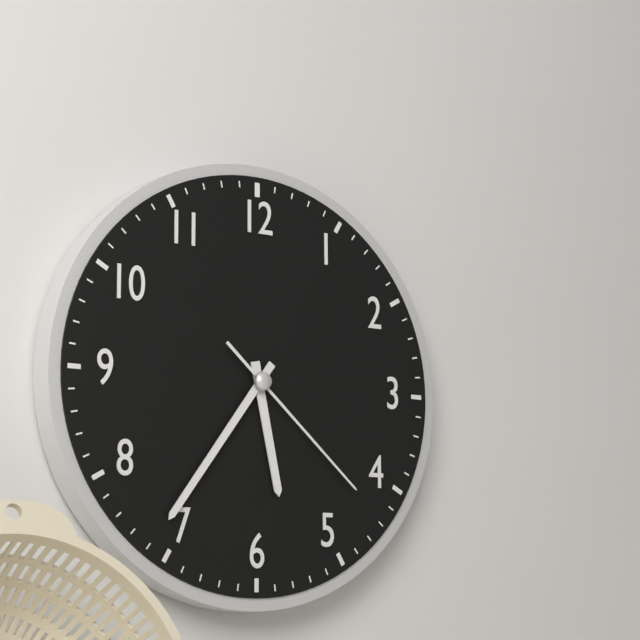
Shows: 5:36:22
